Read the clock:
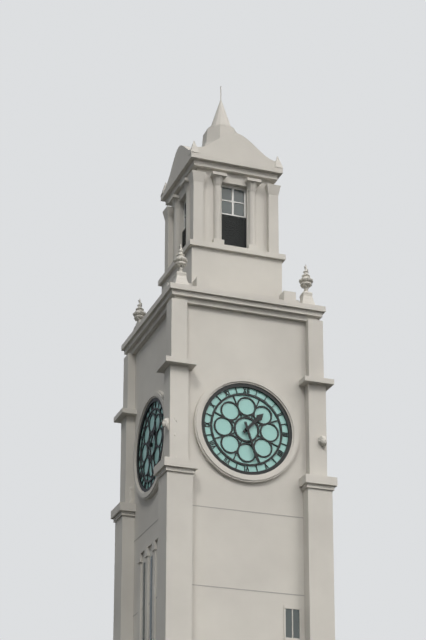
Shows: 1:27
